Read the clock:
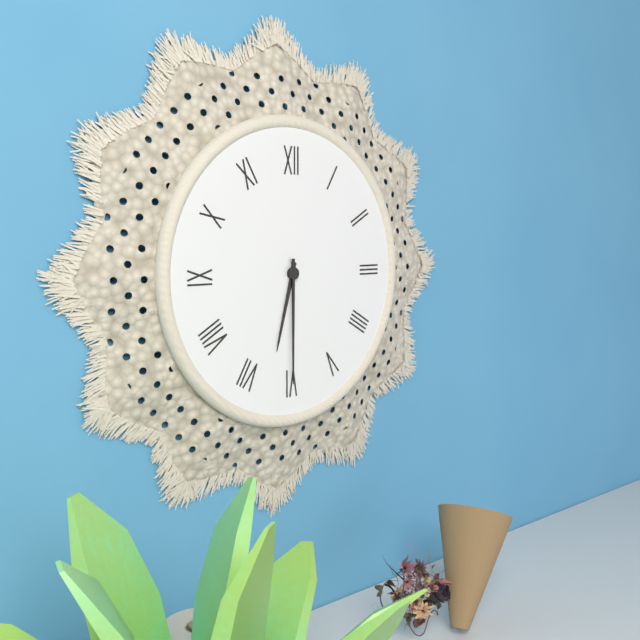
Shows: 6:30
